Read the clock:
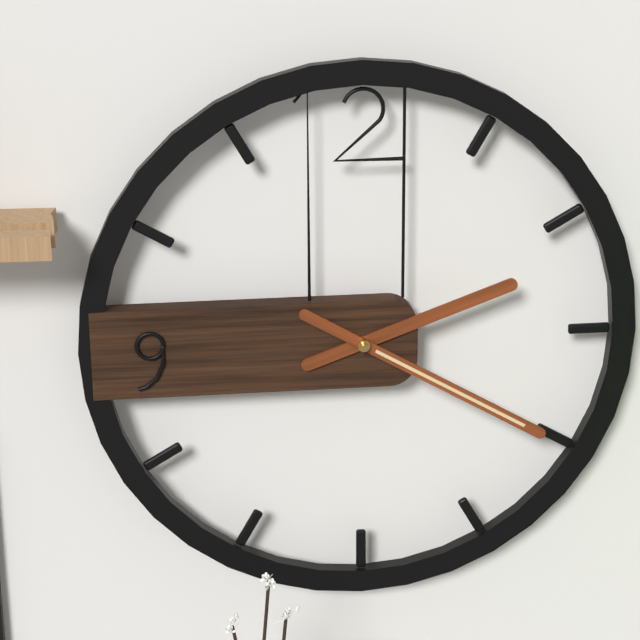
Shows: 2:20
